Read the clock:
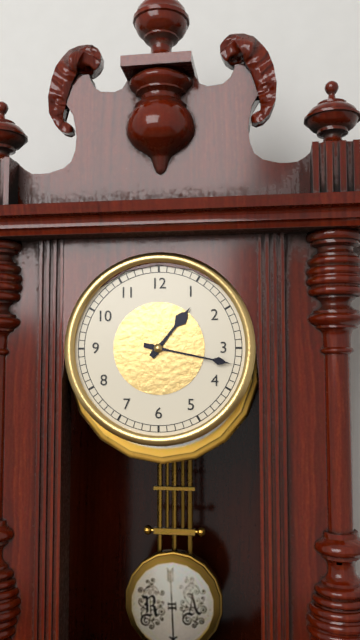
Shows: 1:17
